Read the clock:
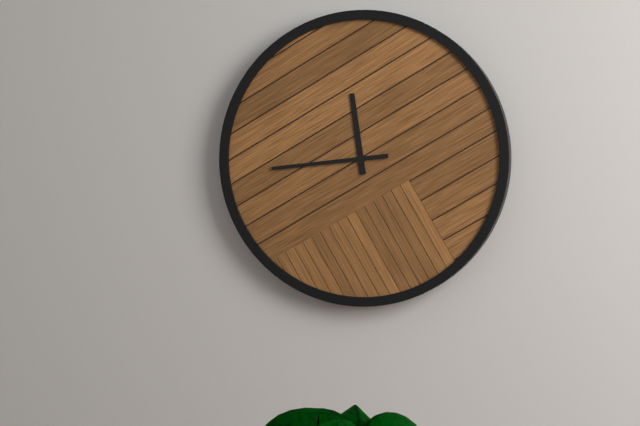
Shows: 11:44
